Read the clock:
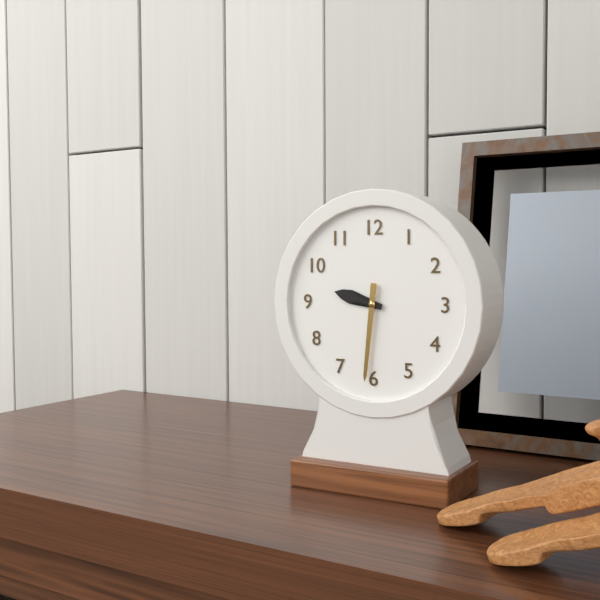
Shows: 9:31
